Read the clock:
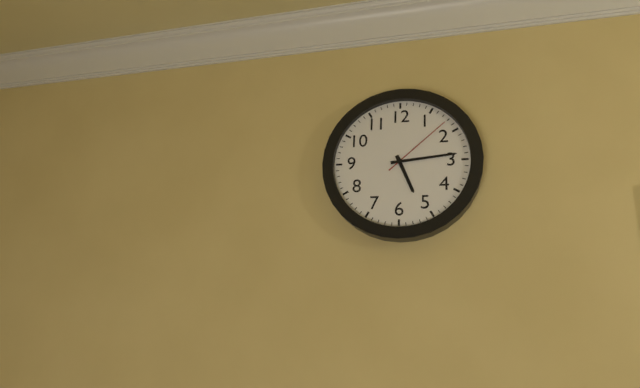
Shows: 5:14:08
